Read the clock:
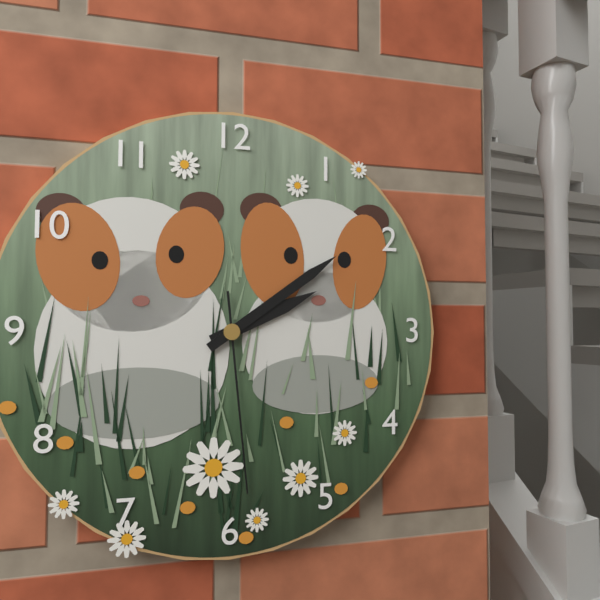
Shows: 2:09:29
